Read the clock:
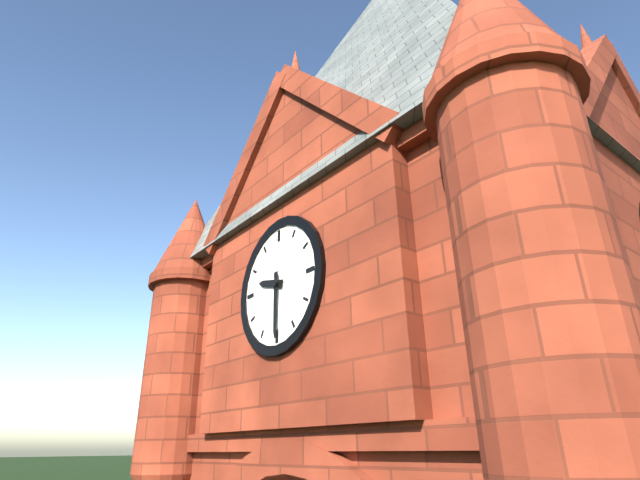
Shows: 9:30
